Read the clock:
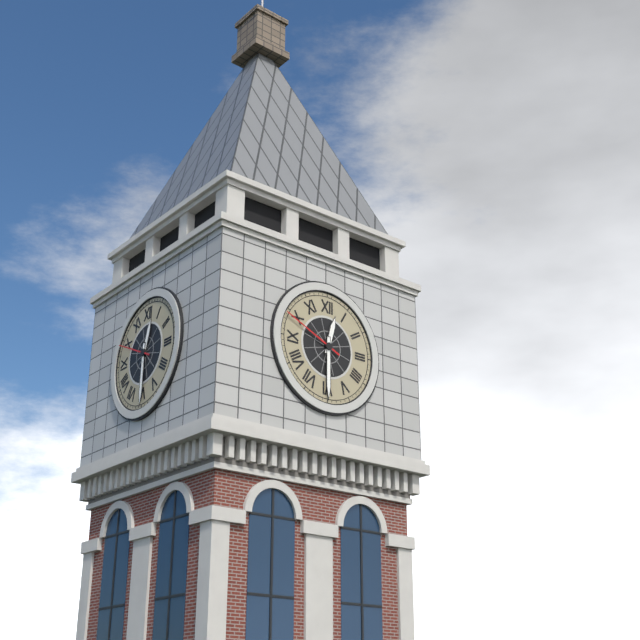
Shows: 12:30:49
